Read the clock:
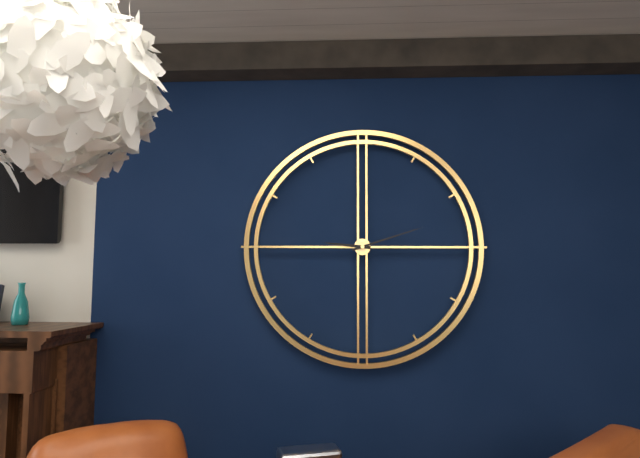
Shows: 9:12
